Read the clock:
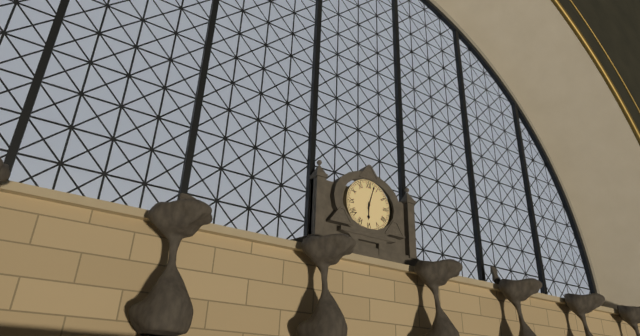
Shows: 6:03
